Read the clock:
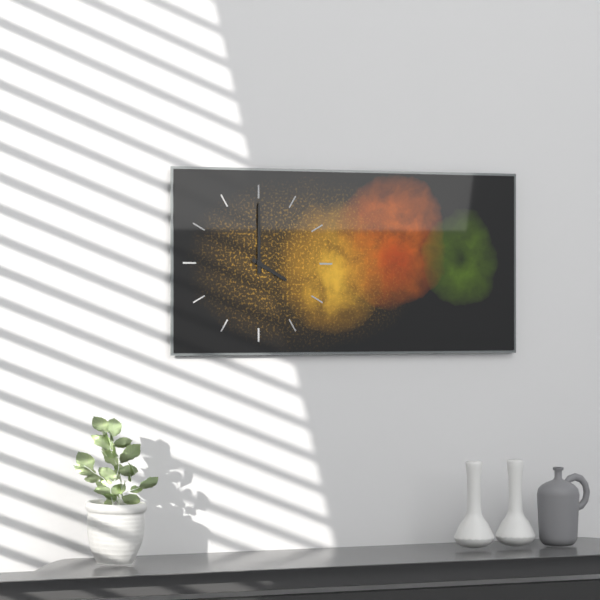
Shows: 4:00
